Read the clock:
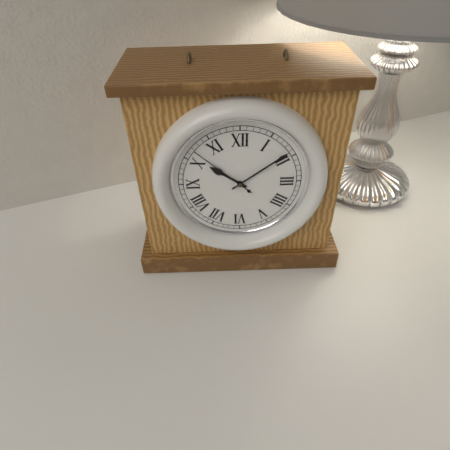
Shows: 10:09:52
